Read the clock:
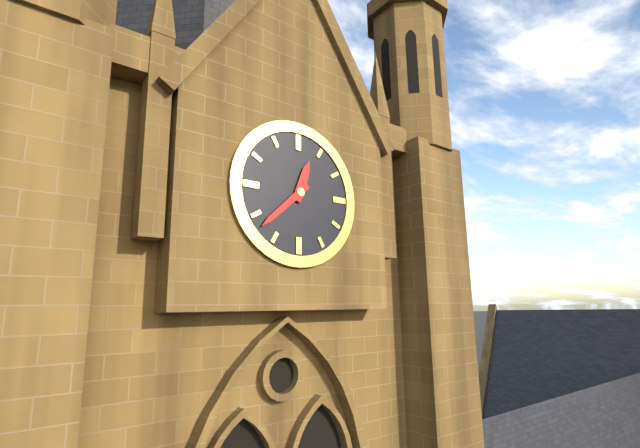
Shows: 12:38
